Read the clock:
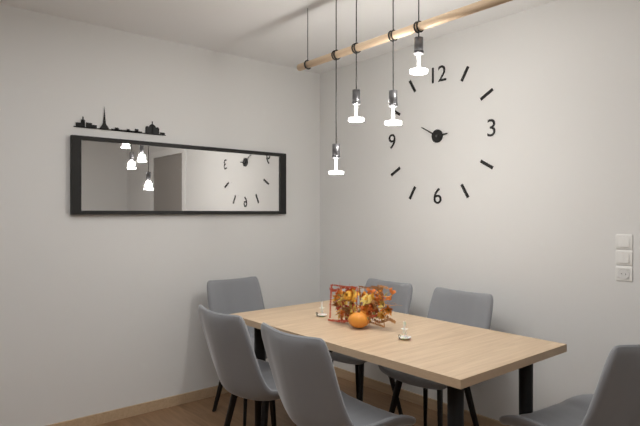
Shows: 2:50
